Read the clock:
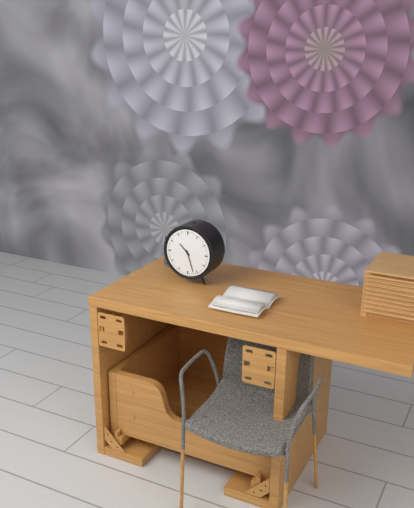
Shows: 10:27
